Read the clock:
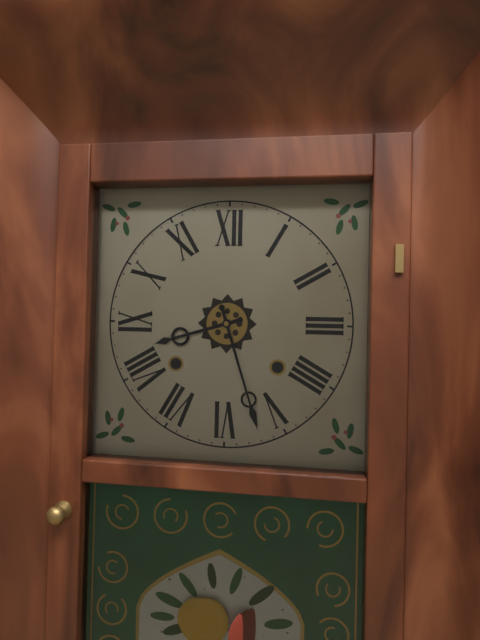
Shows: 8:27
